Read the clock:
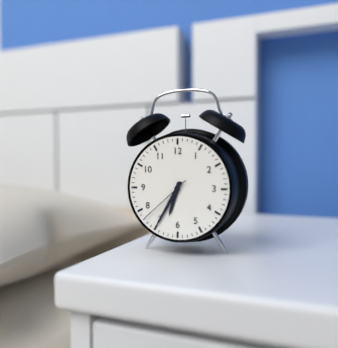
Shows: 6:35:38
